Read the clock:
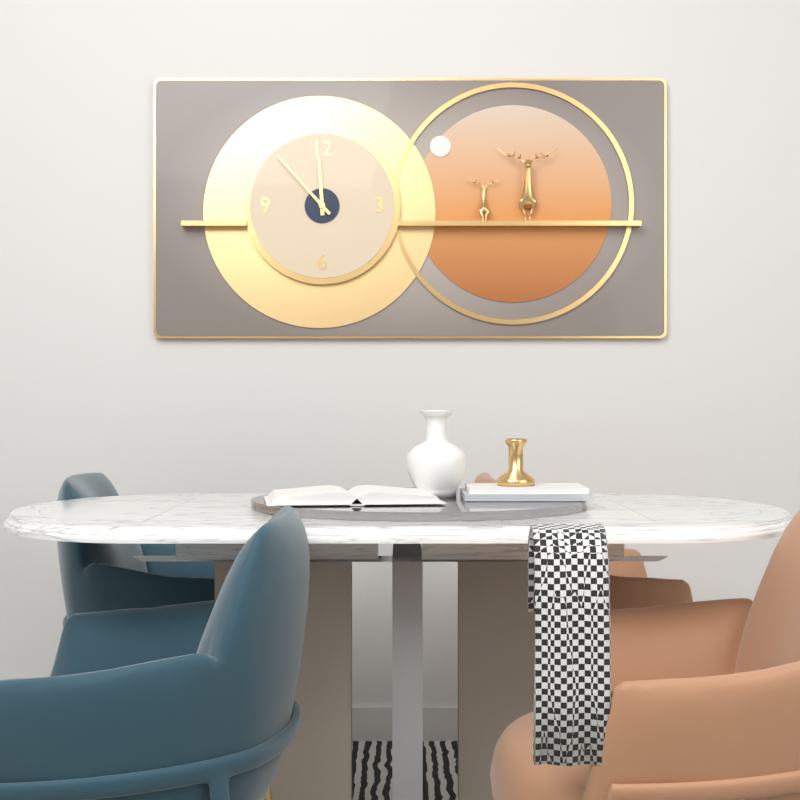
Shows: 11:53
